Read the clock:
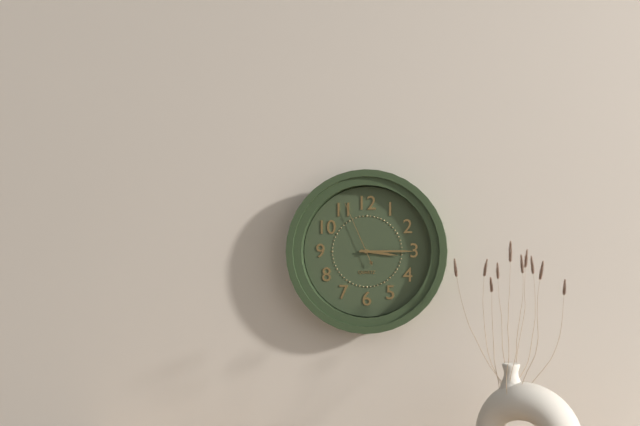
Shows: 3:15:56
